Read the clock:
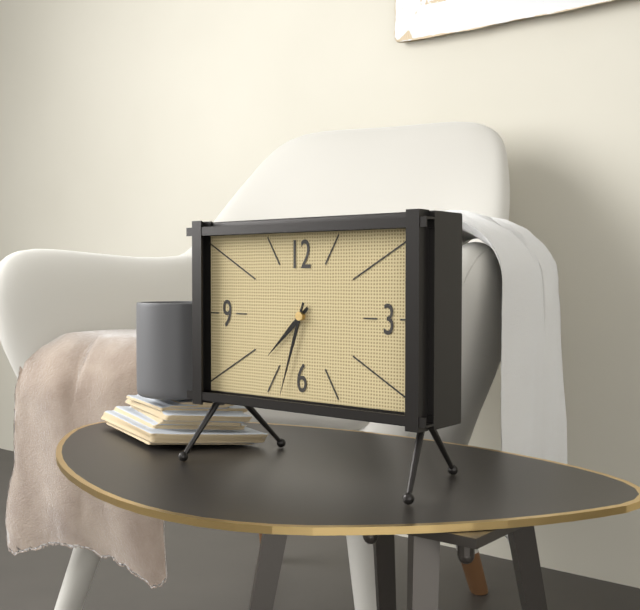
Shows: 7:33
